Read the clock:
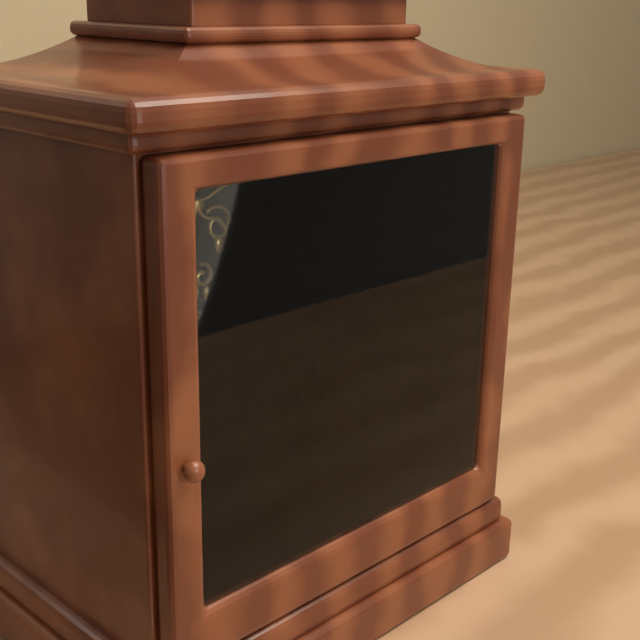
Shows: 10:23
